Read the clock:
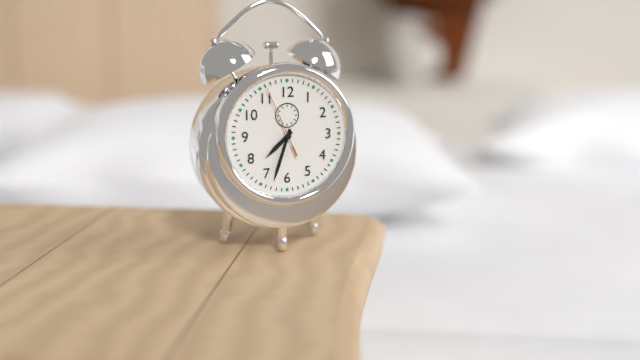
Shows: 7:33:56
